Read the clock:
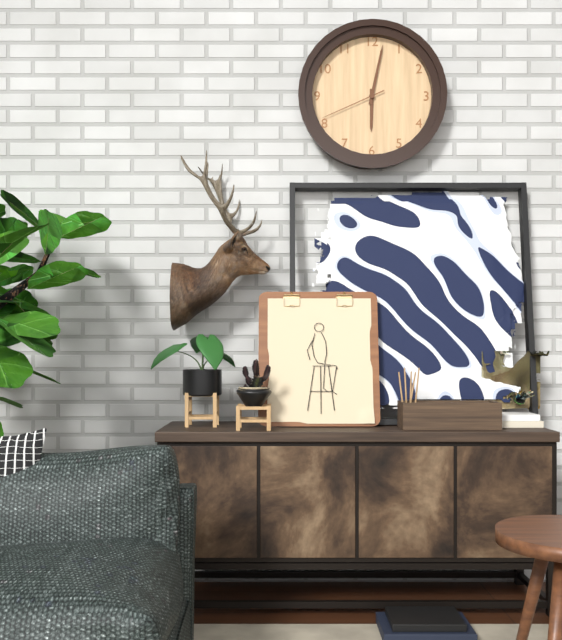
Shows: 6:02:41
